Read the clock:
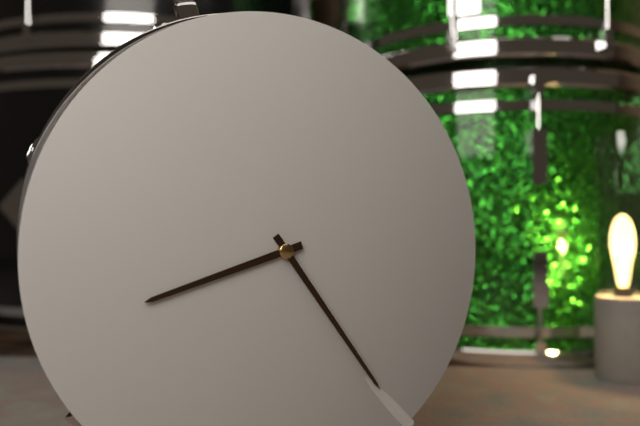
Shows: 8:24
